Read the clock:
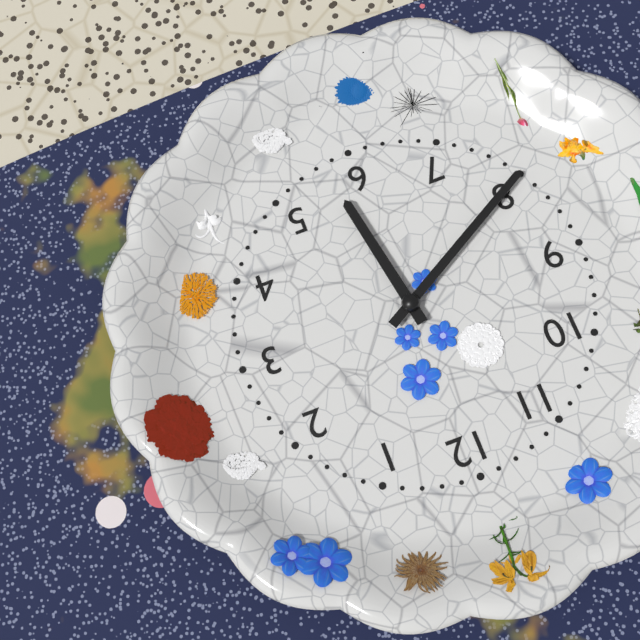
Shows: 5:40
